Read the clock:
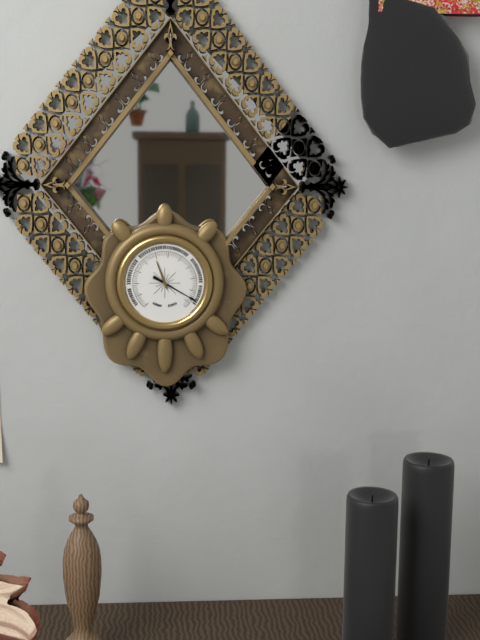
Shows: 11:20
